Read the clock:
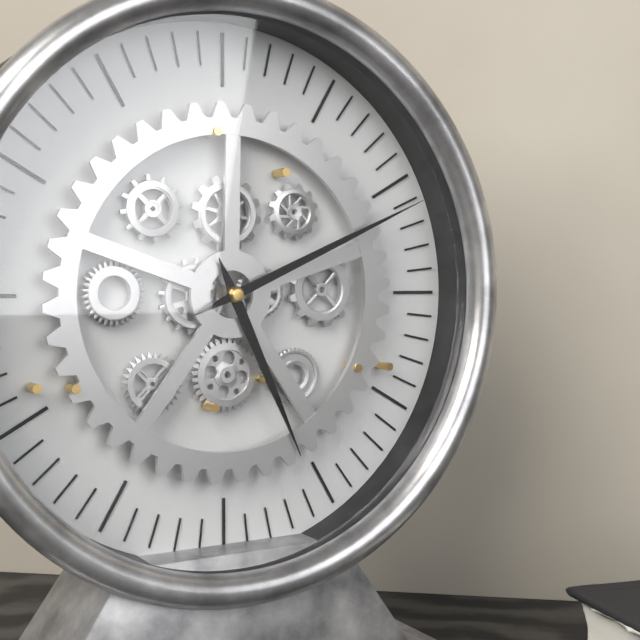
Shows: 5:11
